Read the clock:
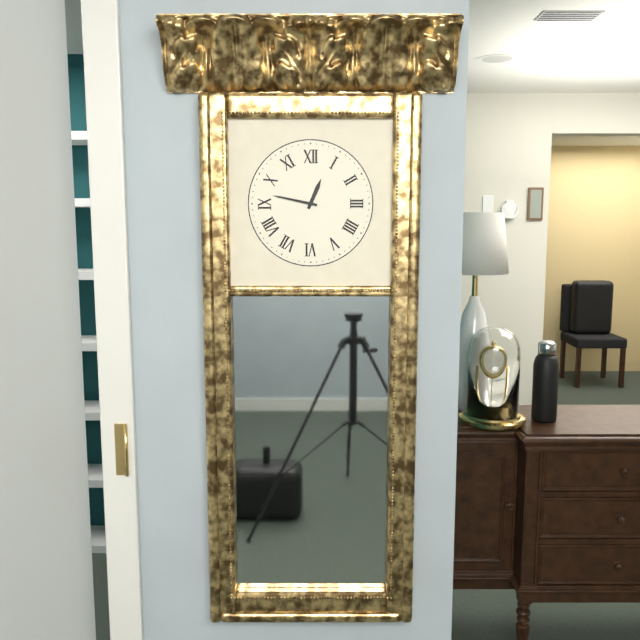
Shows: 12:47
